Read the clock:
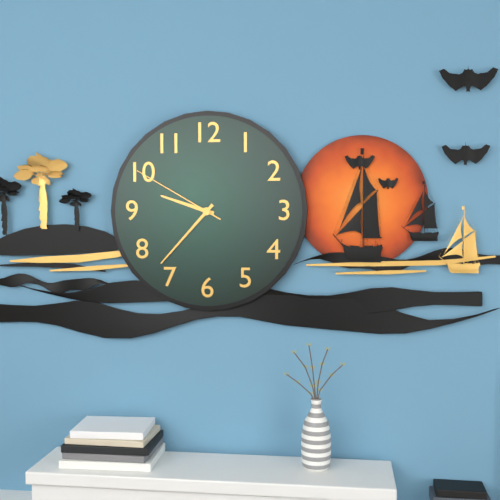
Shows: 9:37:50
